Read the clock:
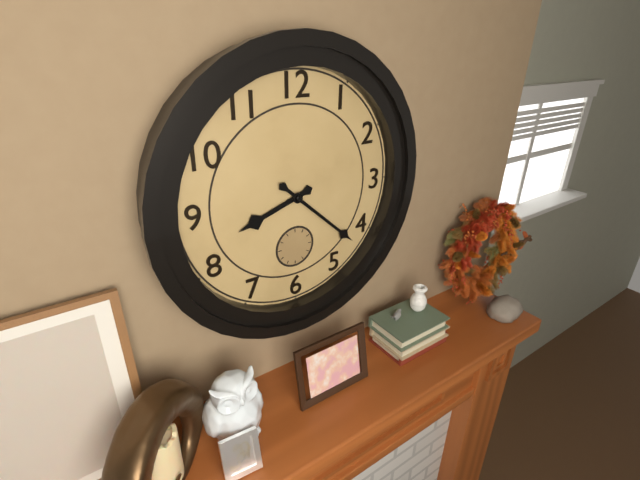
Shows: 8:22
